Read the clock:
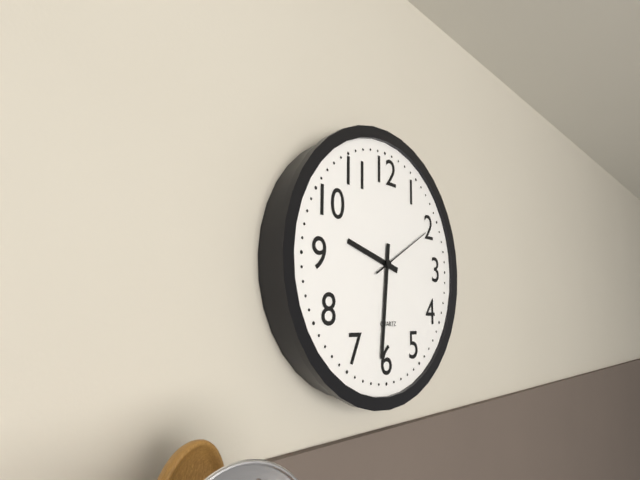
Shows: 9:31:10
